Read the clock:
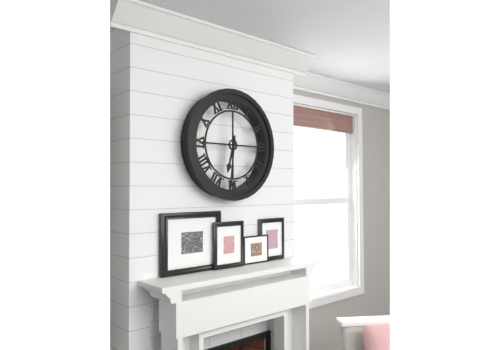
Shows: 6:31
